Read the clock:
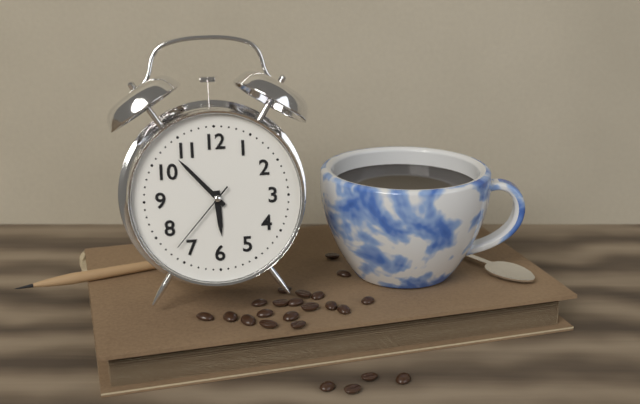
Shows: 5:53:37
